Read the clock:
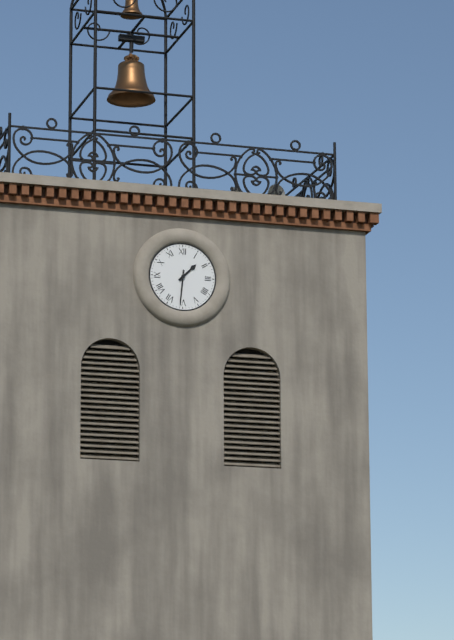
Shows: 1:31
